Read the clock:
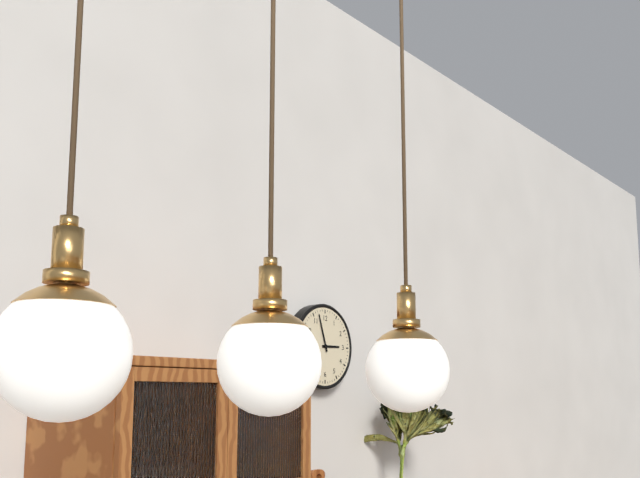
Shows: 2:57
